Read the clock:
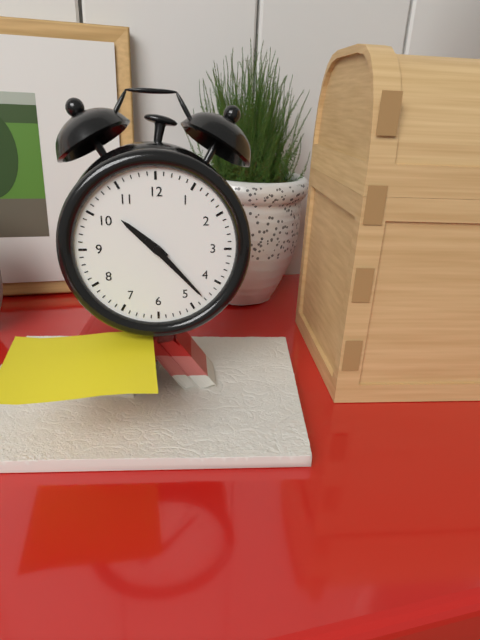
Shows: 10:23
